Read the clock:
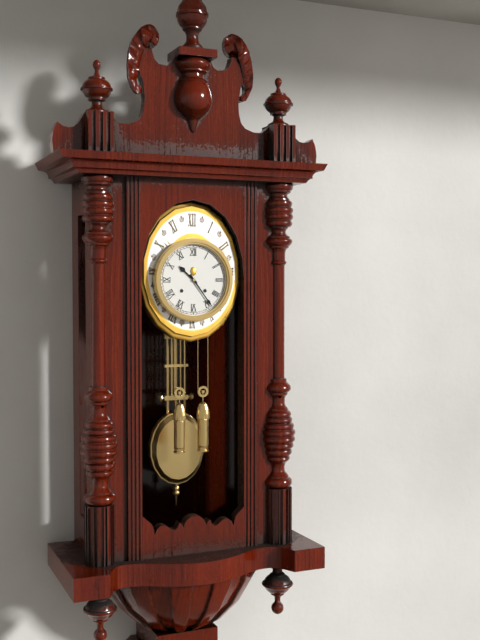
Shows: 10:24
